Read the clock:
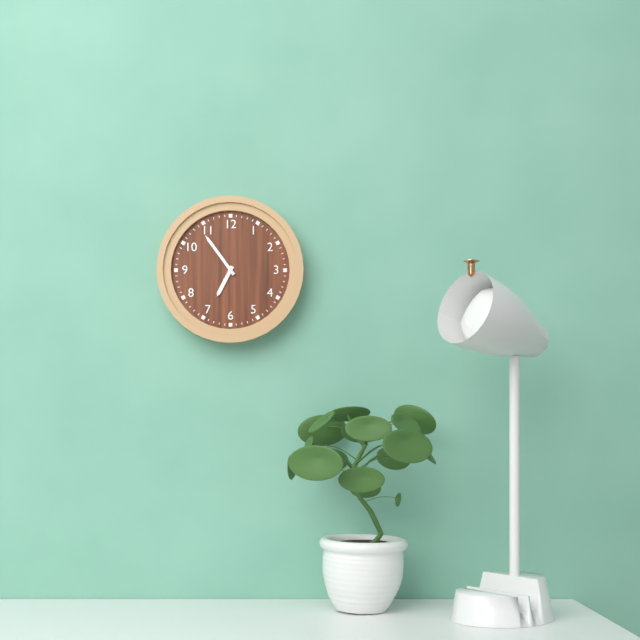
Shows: 6:54
